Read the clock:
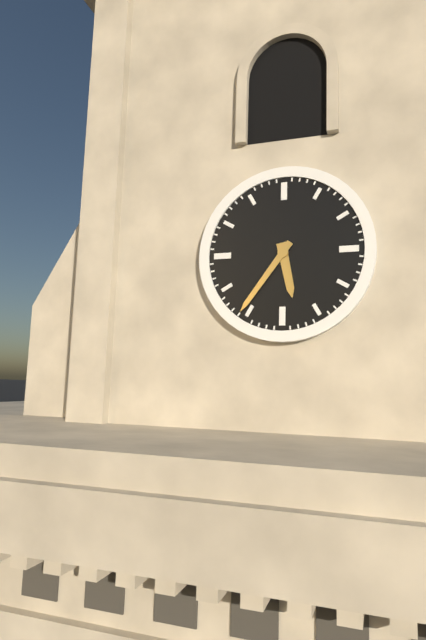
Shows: 5:36
